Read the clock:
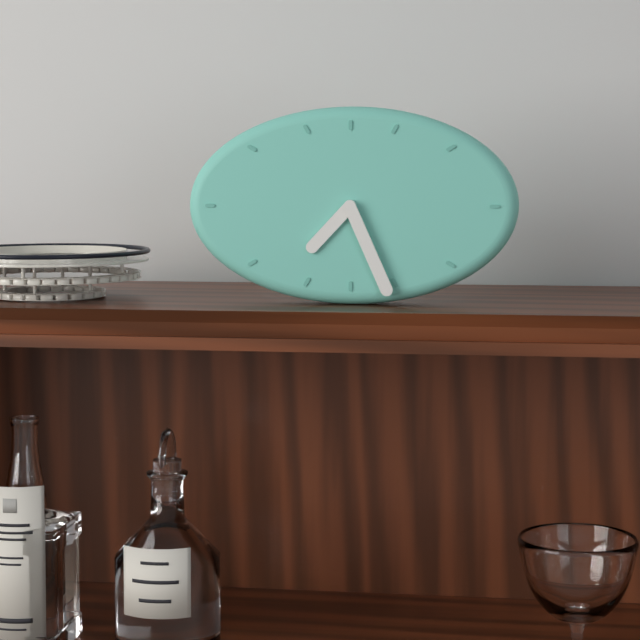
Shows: 7:26
